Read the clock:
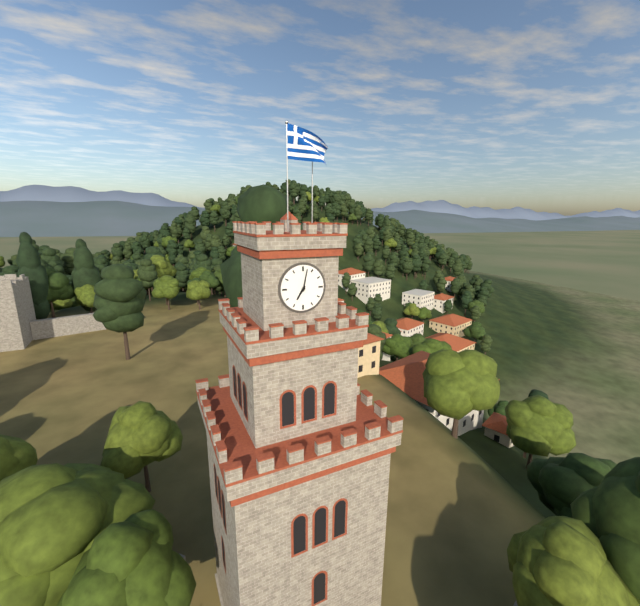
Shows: 7:02
